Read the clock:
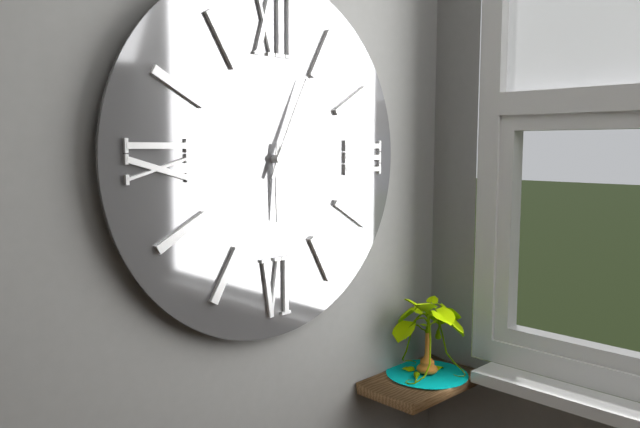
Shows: 6:04
